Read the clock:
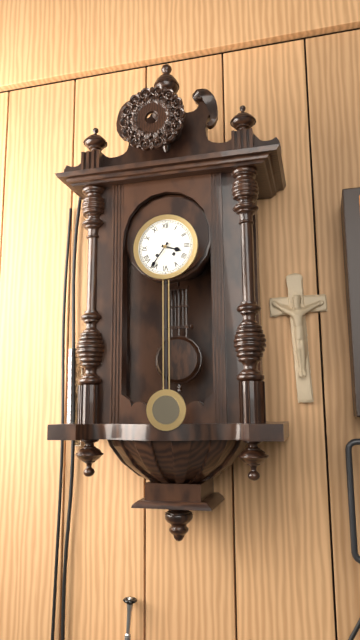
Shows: 3:36
